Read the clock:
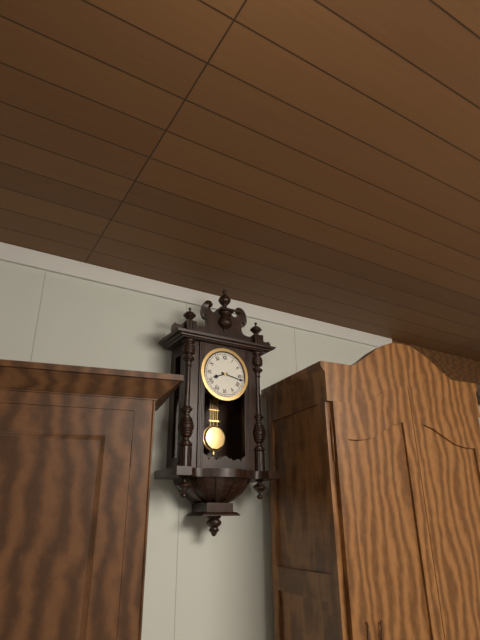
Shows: 8:17
